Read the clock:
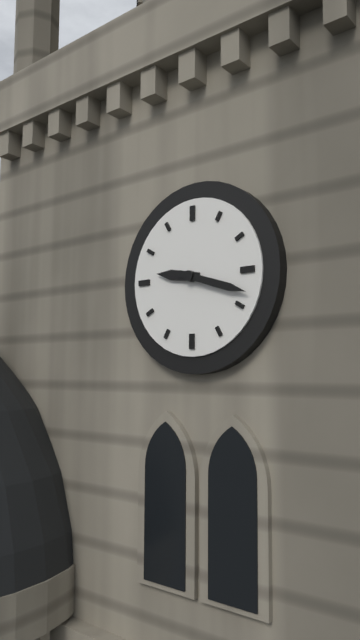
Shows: 9:18
